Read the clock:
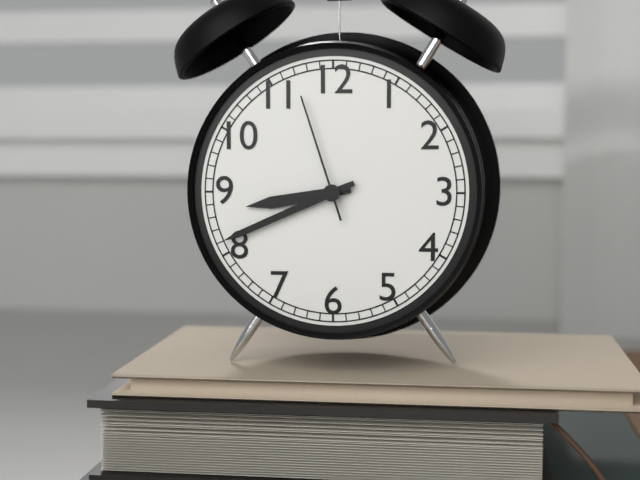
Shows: 8:41:57
